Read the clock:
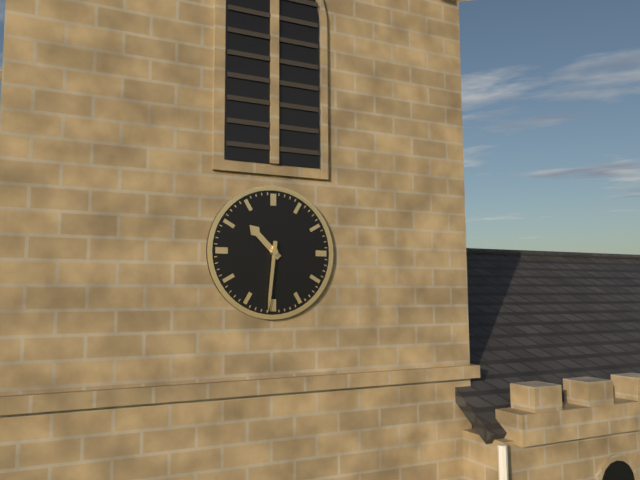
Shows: 10:31
